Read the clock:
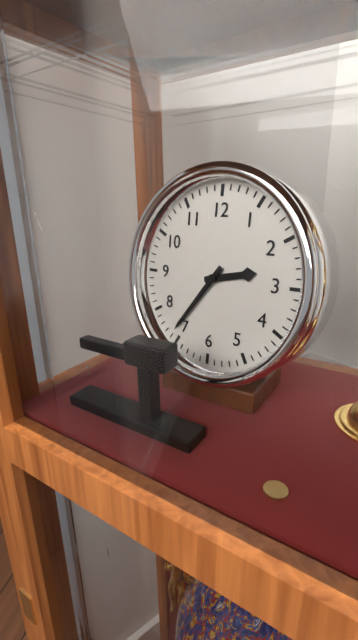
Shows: 2:36
